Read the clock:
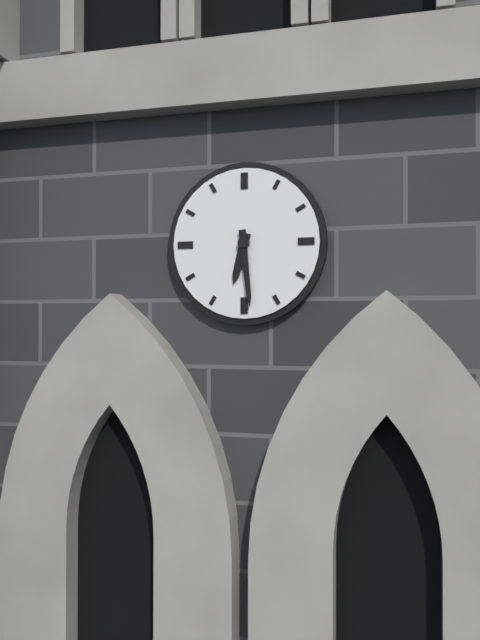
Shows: 6:29
